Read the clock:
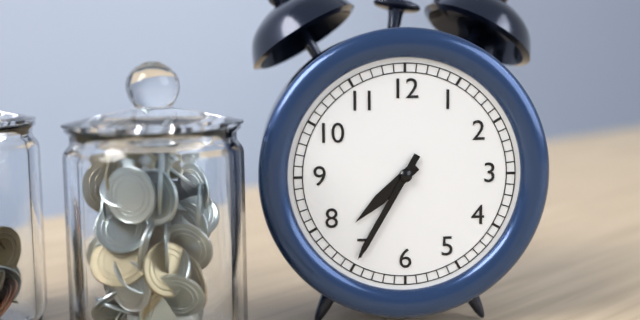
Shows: 7:35
